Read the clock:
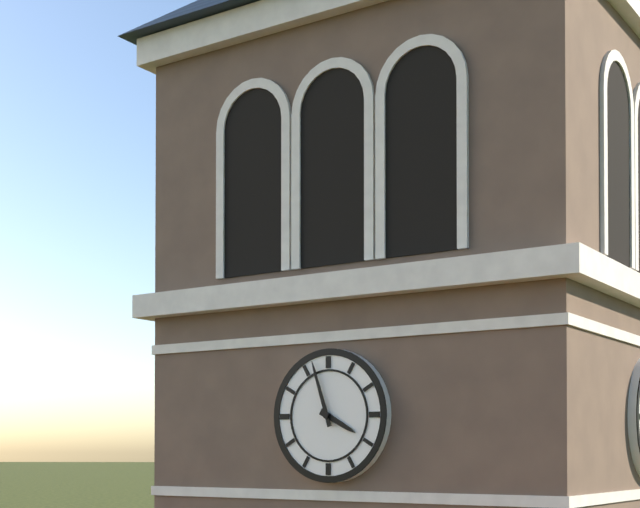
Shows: 3:57
